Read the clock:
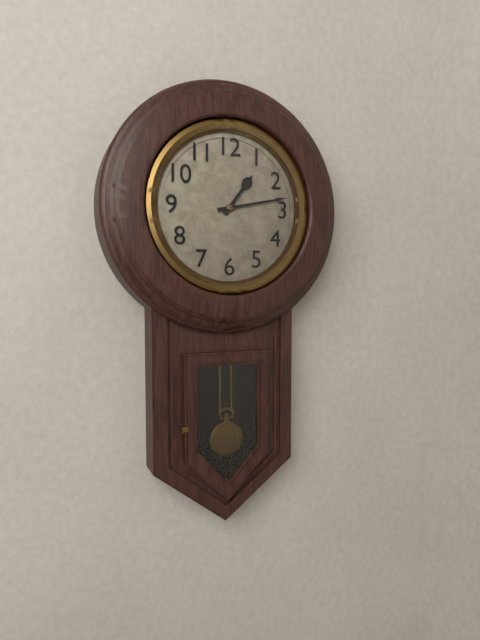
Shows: 1:13
